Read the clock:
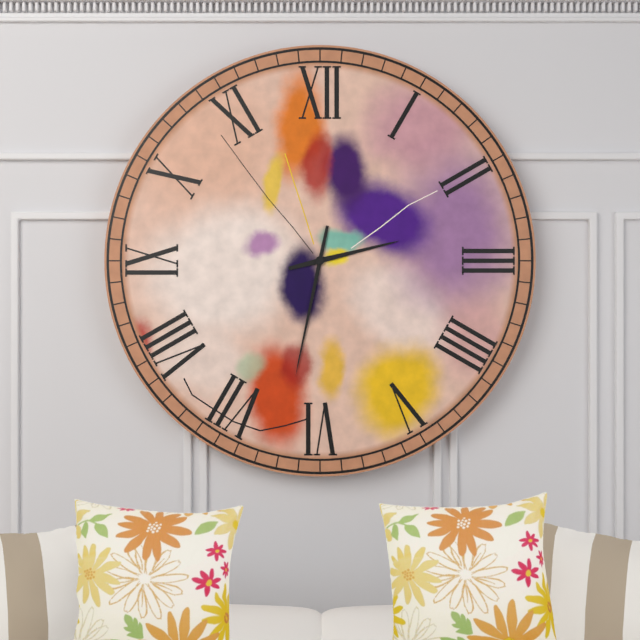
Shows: 2:32
